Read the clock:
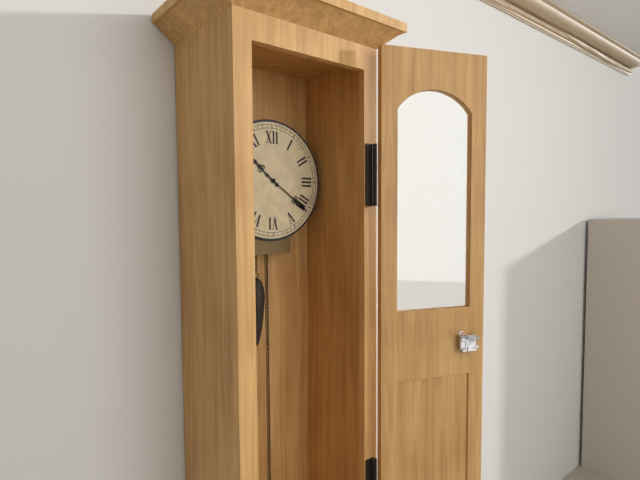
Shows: 10:21
